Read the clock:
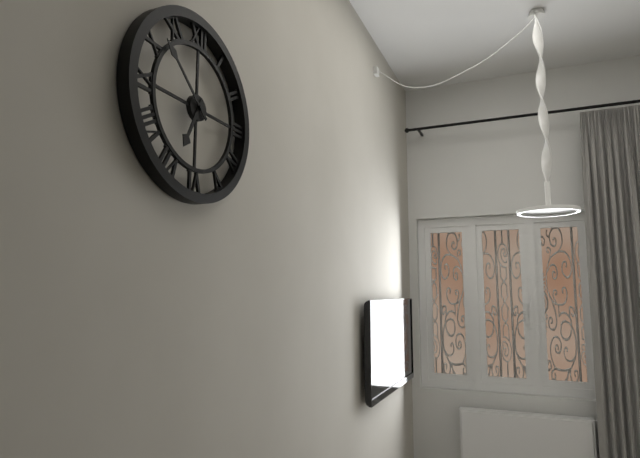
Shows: 6:52
